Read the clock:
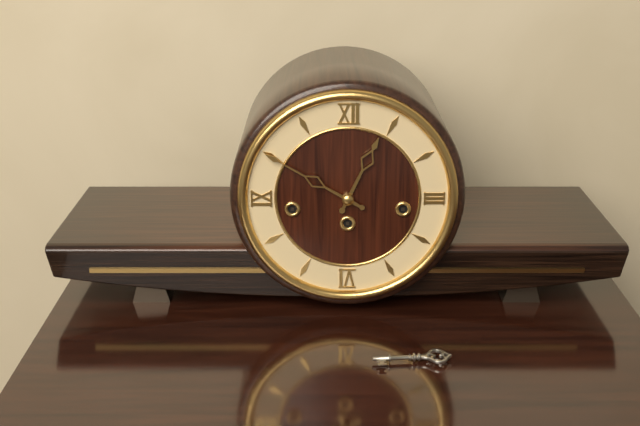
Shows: 12:50
